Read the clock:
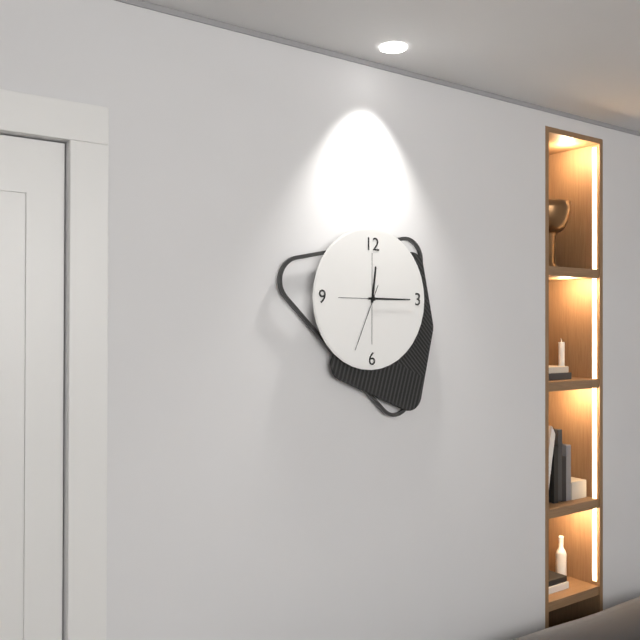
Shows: 12:15:34
